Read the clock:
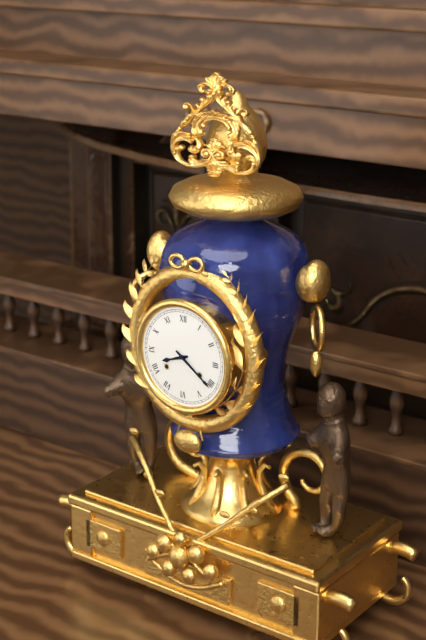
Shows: 8:21
